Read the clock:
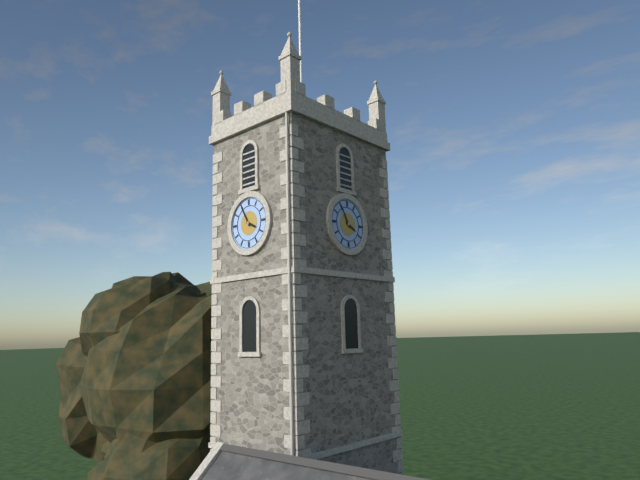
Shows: 3:55
